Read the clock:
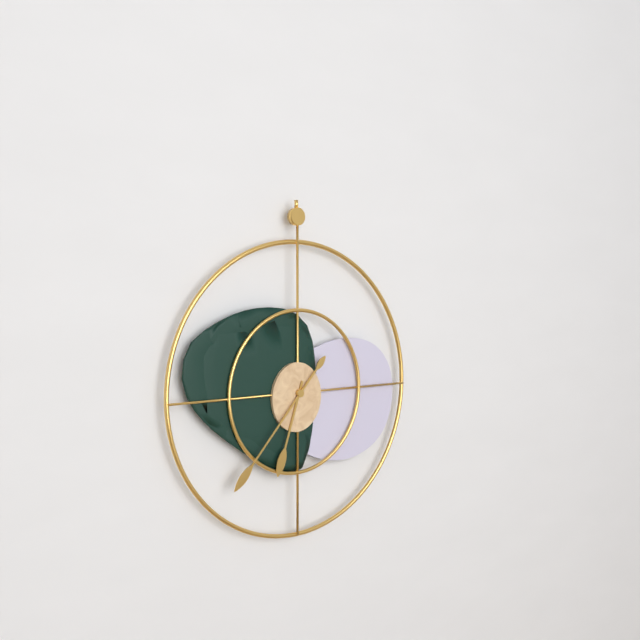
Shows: 6:37
